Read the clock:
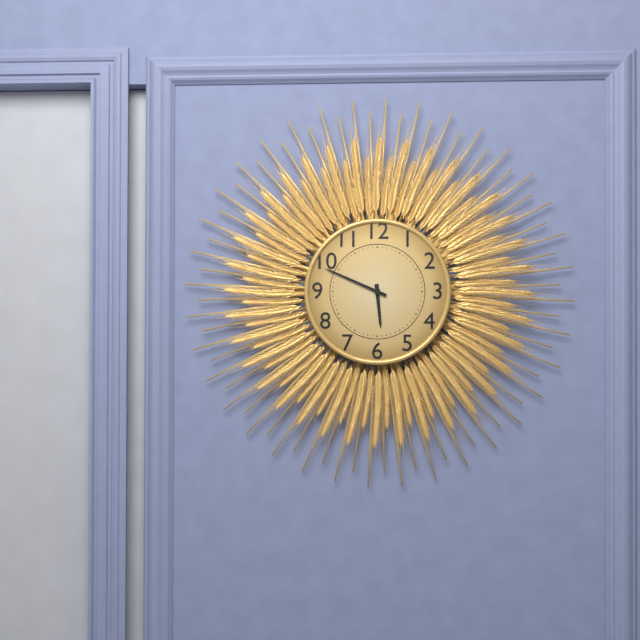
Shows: 5:49
